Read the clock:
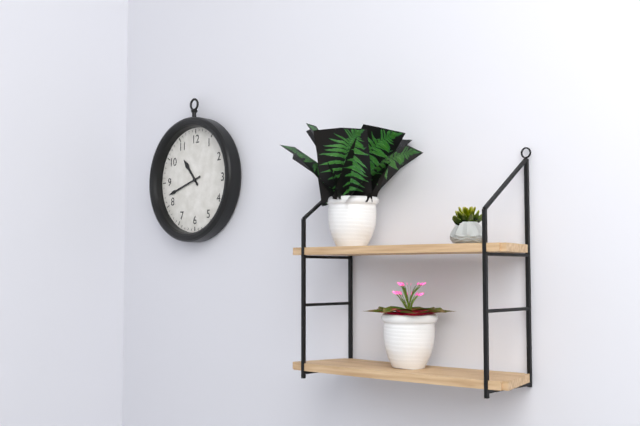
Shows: 10:42
